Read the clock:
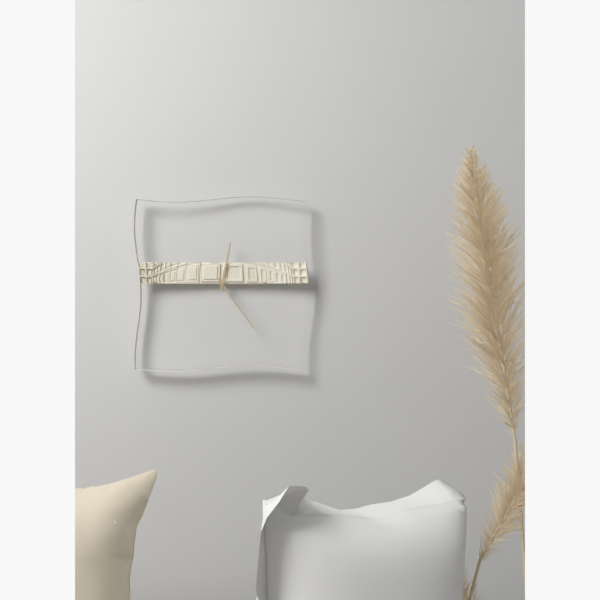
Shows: 12:24
